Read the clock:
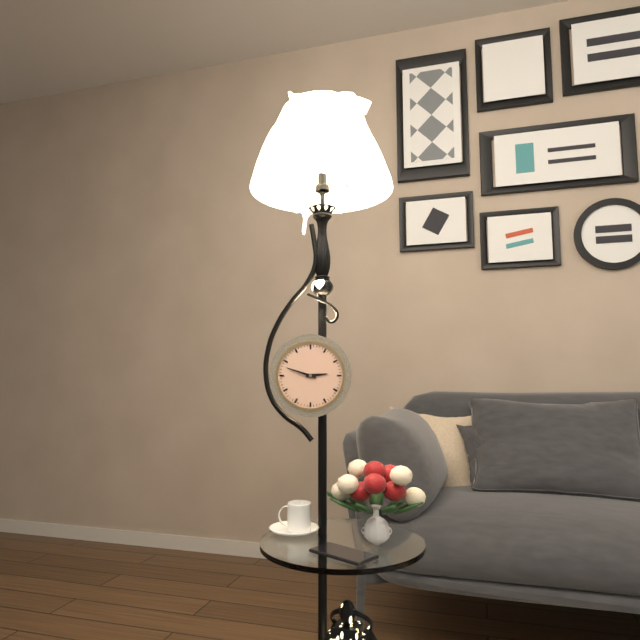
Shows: 2:48
